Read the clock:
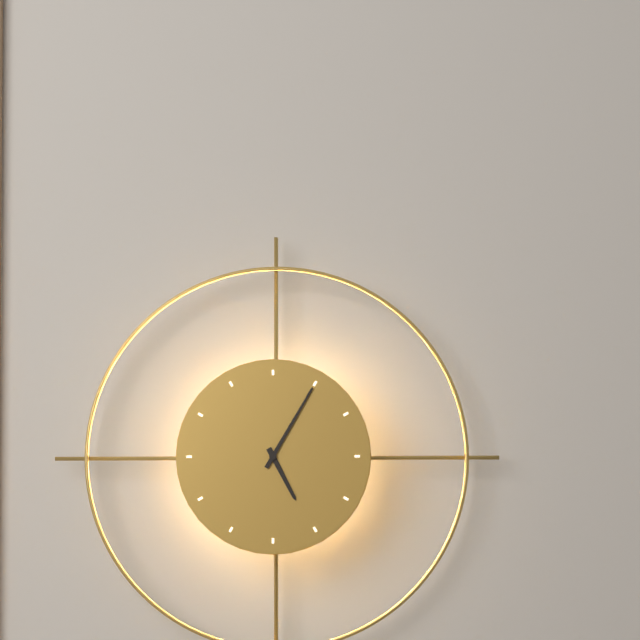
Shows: 5:05
